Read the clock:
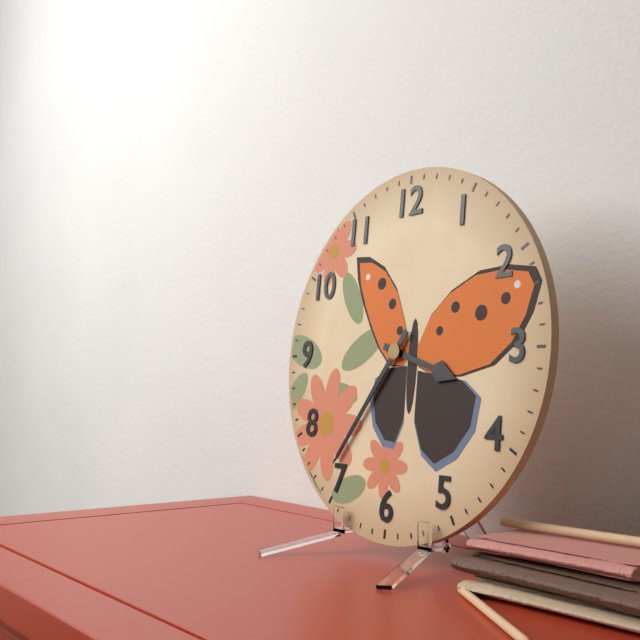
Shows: 3:36
